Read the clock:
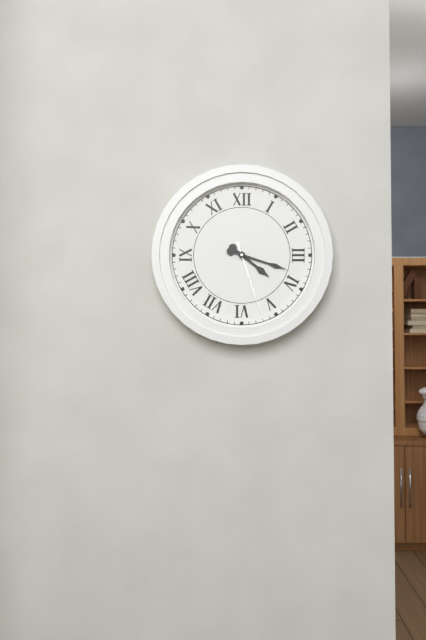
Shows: 4:18:27
